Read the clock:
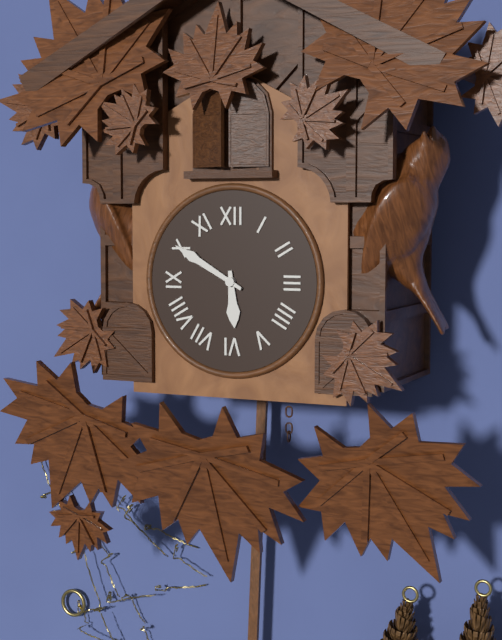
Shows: 5:50
